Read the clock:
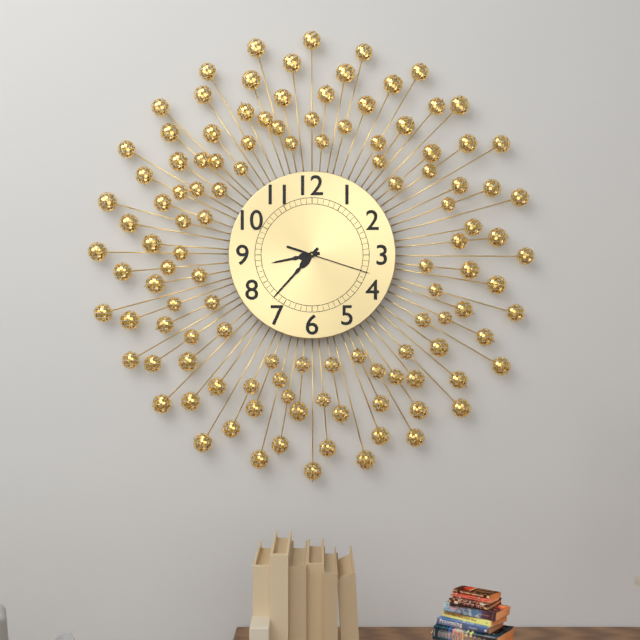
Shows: 8:37:18
